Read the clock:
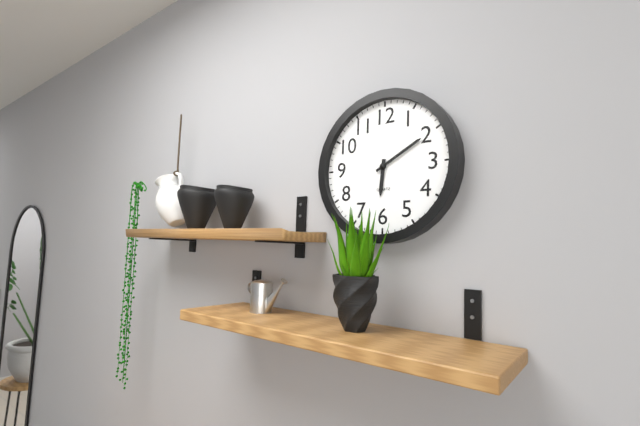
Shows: 6:10
